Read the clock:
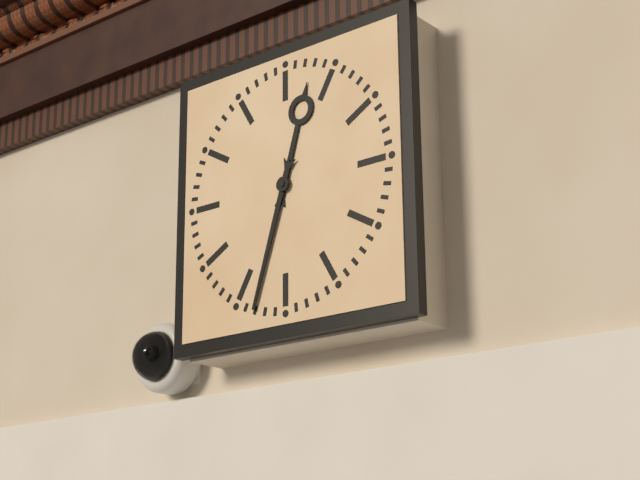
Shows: 12:33
